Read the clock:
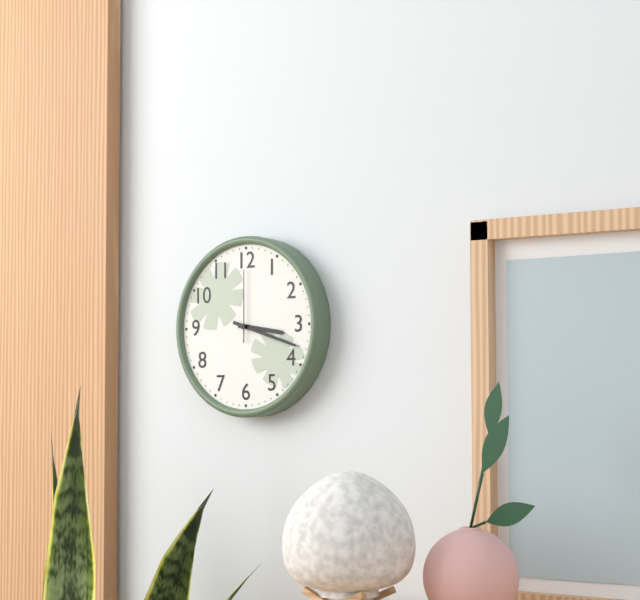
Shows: 3:18:00
